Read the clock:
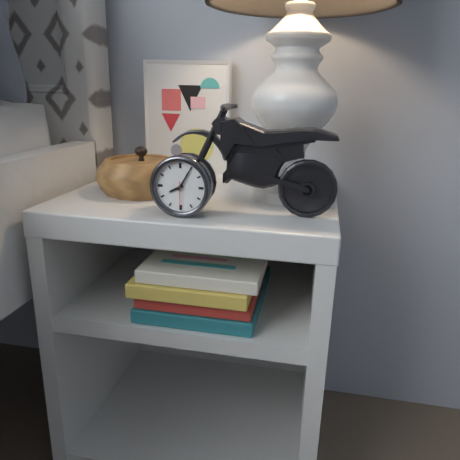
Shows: 8:05
